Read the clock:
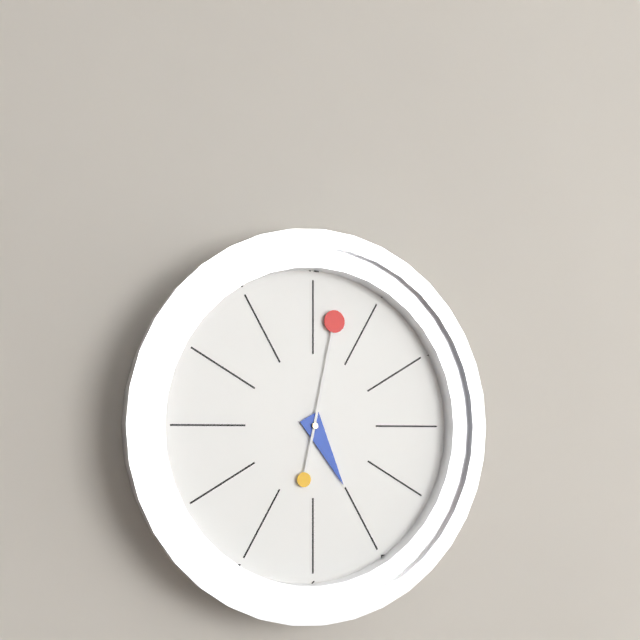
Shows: 5:02
